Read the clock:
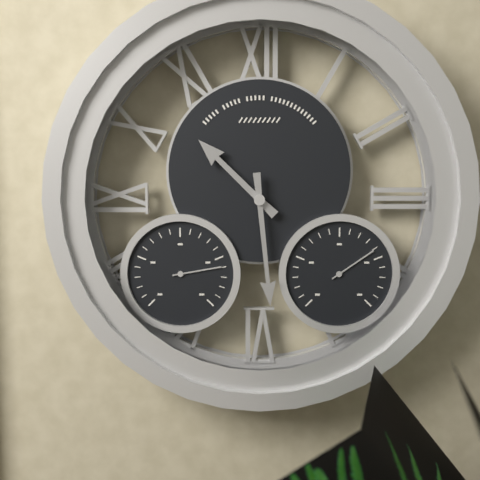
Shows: 10:29
